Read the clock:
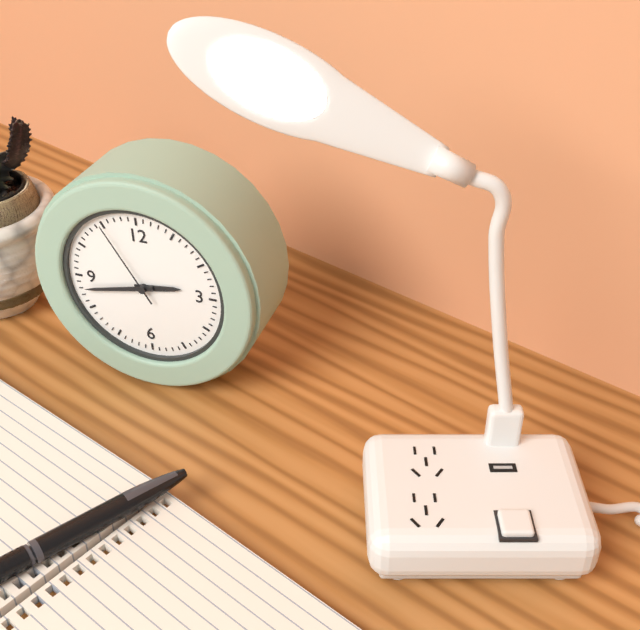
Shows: 2:43:55
